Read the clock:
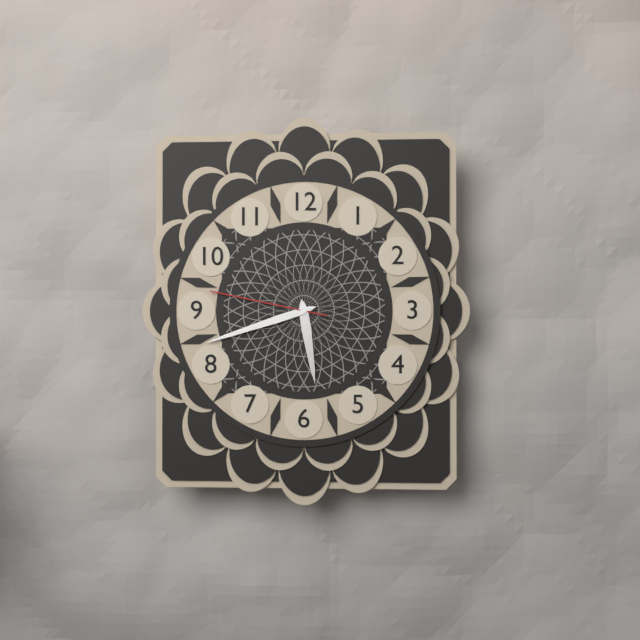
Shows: 5:42:47
